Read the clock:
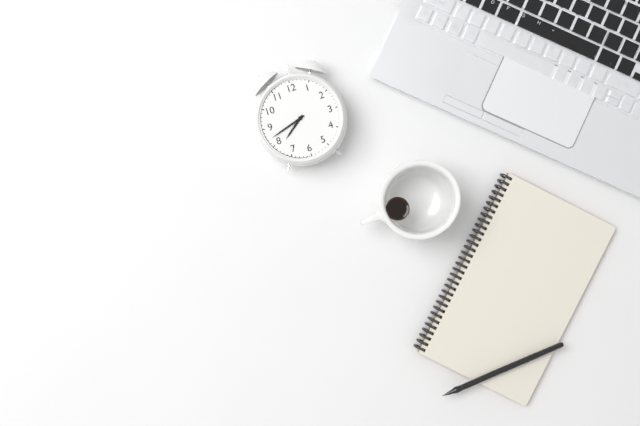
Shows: 7:42
